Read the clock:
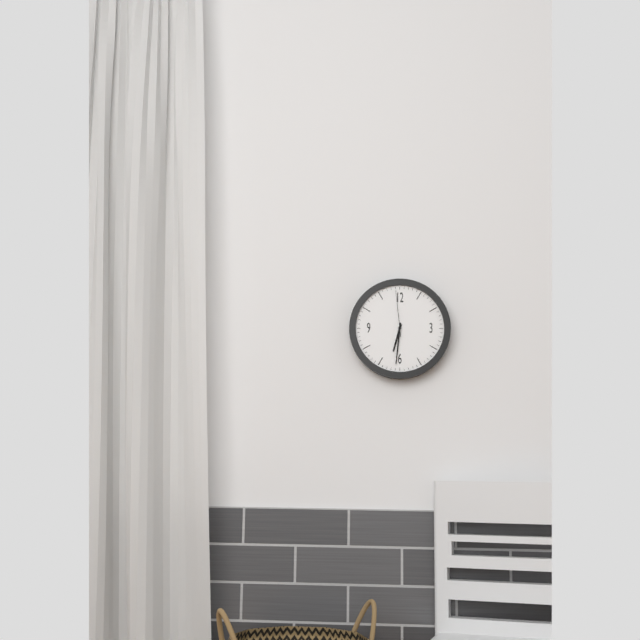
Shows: 6:31
